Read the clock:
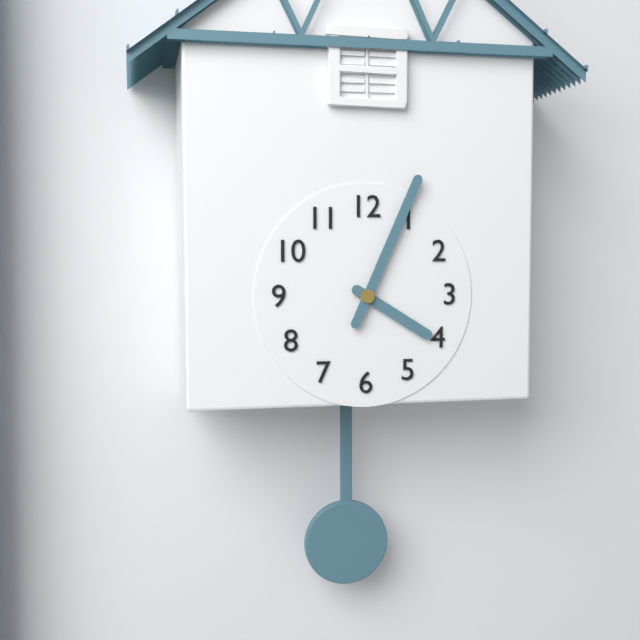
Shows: 4:04
